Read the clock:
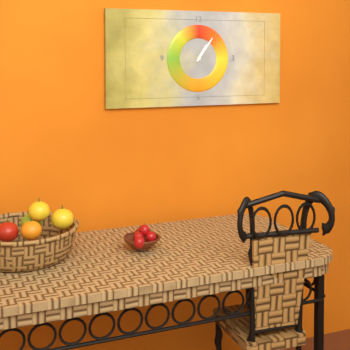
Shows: 1:06
